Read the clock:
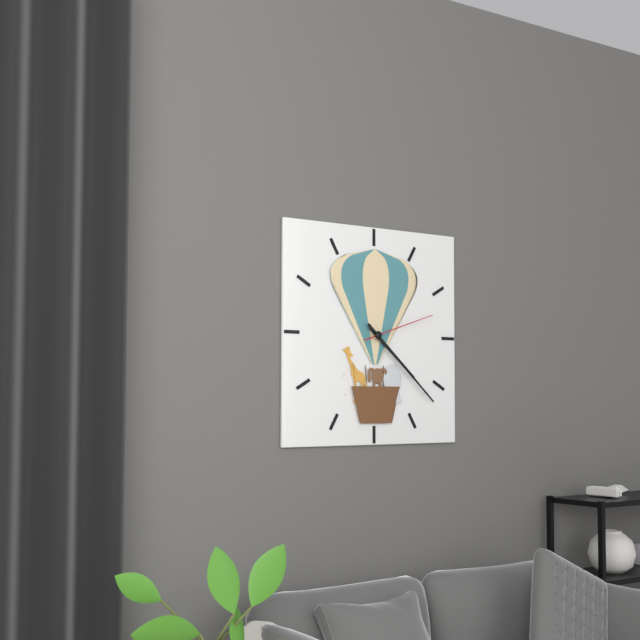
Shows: 4:22:12
